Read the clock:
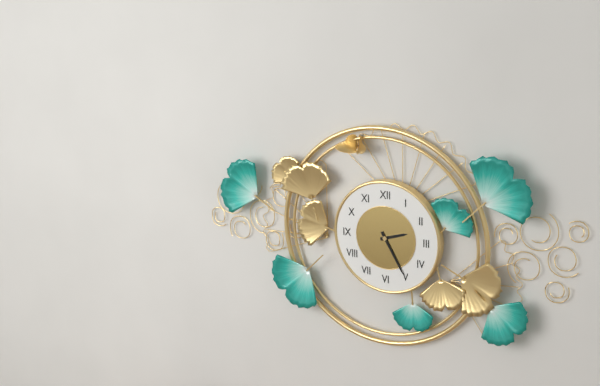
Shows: 2:25
